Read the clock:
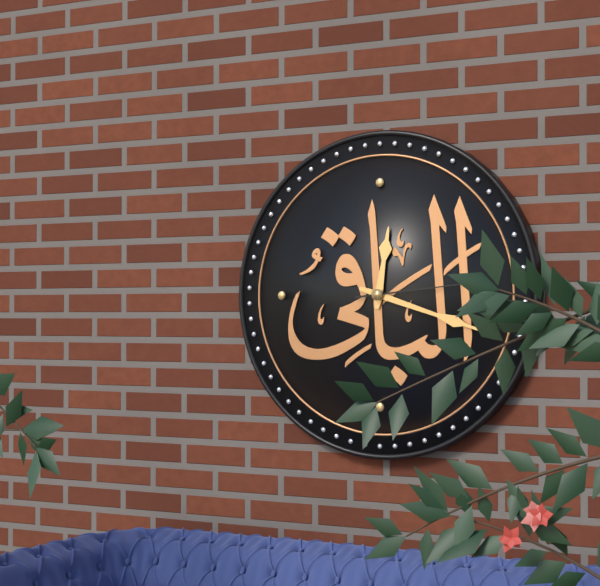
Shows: 12:18:14
